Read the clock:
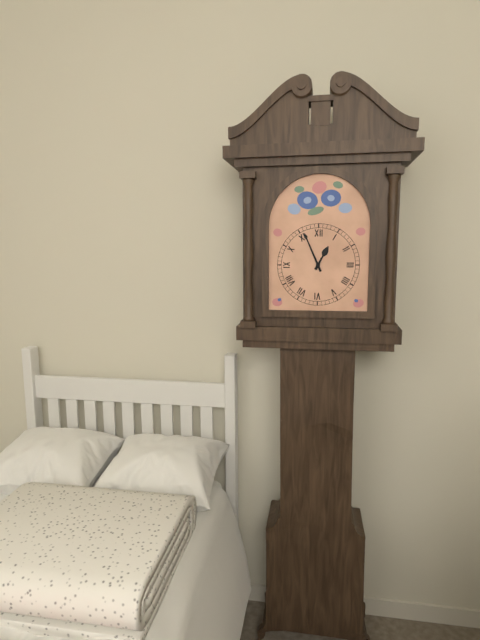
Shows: 12:56
